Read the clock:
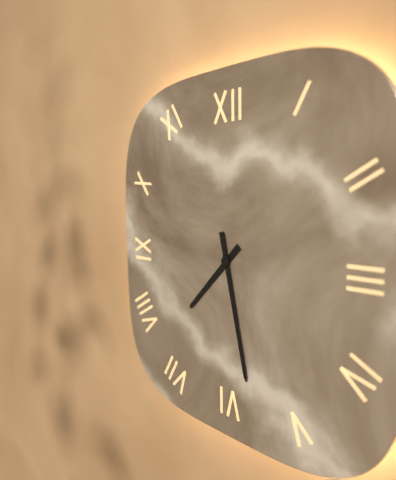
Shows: 7:28
